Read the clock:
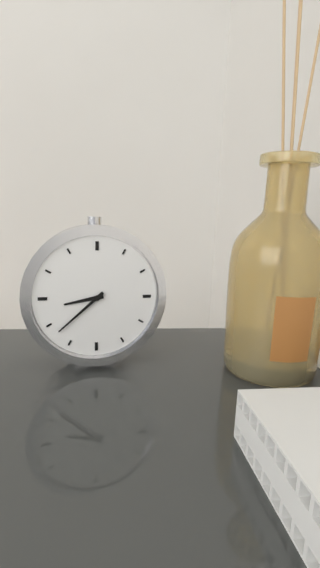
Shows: 8:38
